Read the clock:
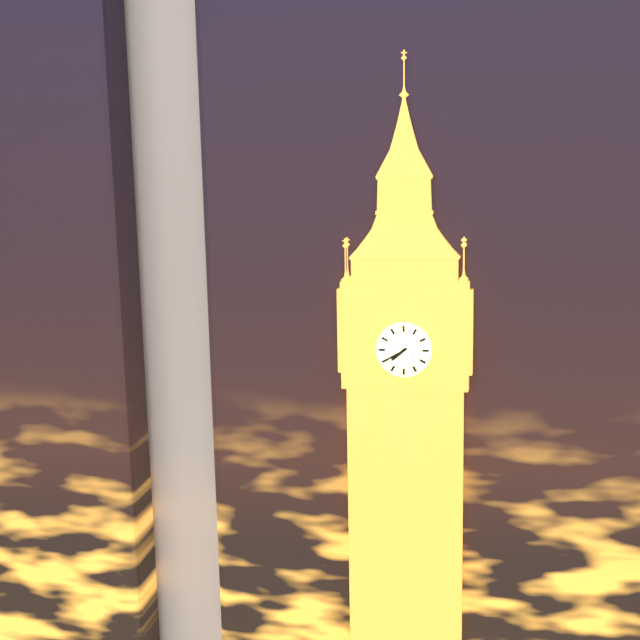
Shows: 7:40
